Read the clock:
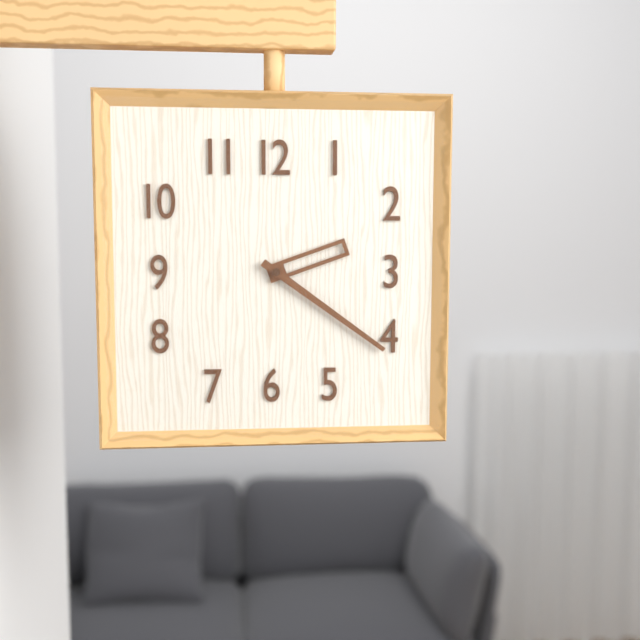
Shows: 2:21
